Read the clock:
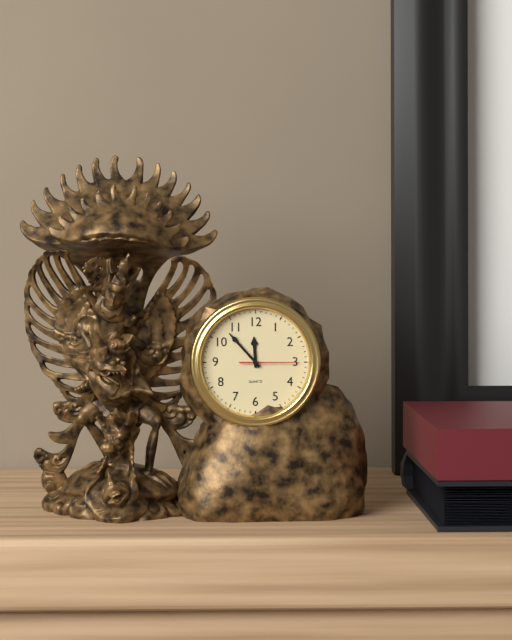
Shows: 11:53:15
